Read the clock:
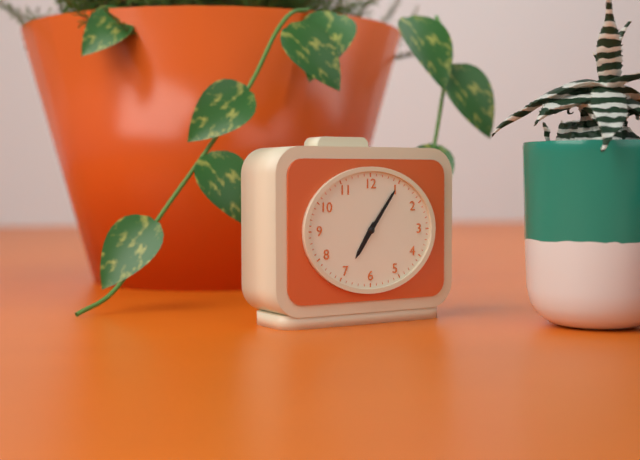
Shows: 7:06
